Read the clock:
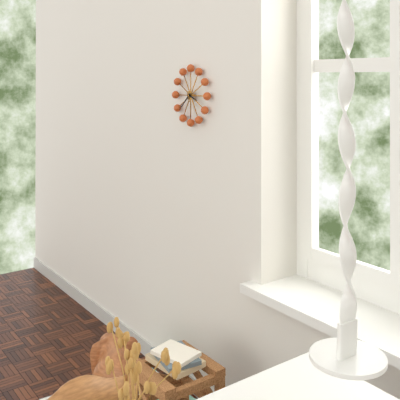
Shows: 3:38
